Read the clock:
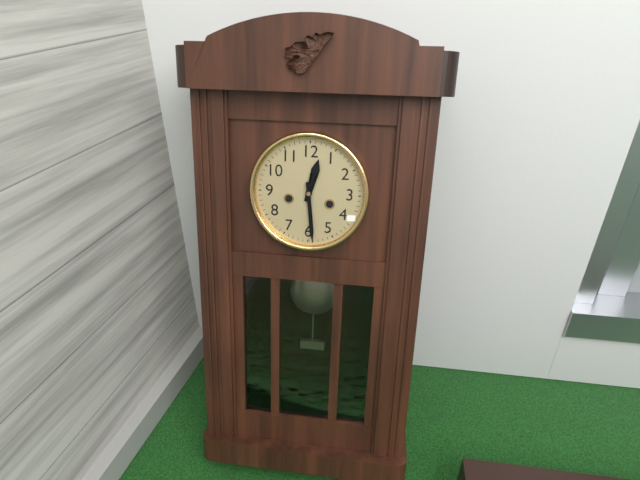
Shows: 12:29
